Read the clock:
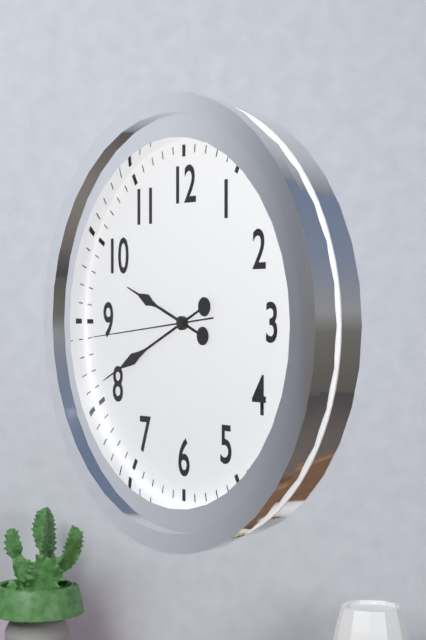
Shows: 9:41:44
